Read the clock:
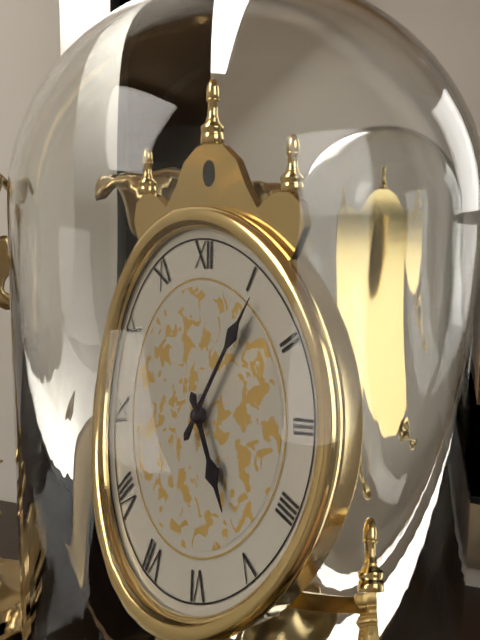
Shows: 5:06
